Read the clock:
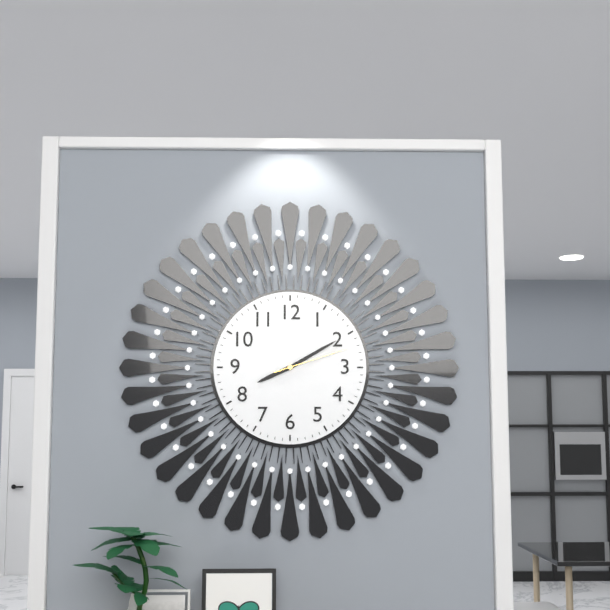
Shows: 8:10:12
